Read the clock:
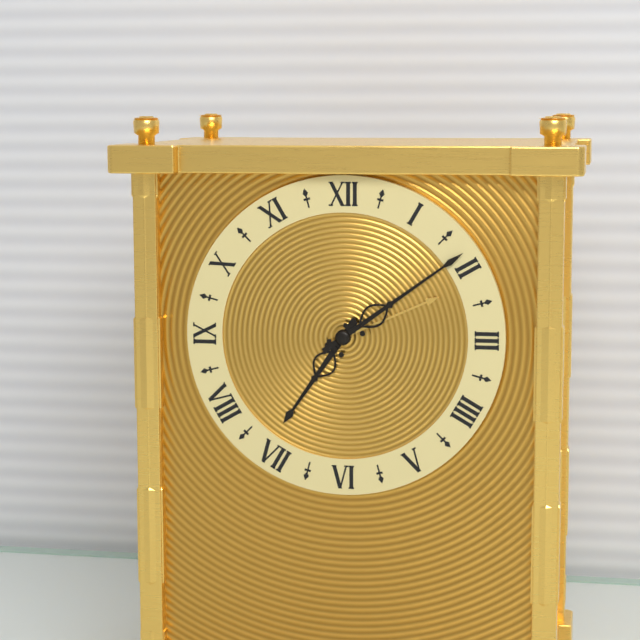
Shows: 7:09
